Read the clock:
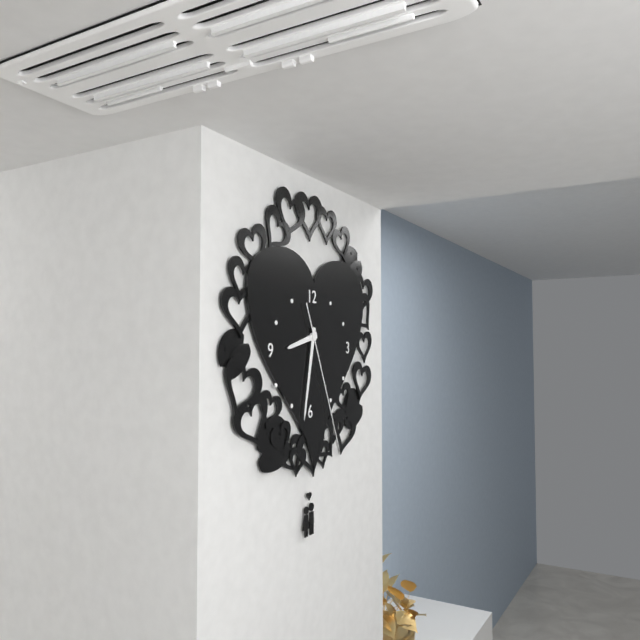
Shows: 8:32:26
